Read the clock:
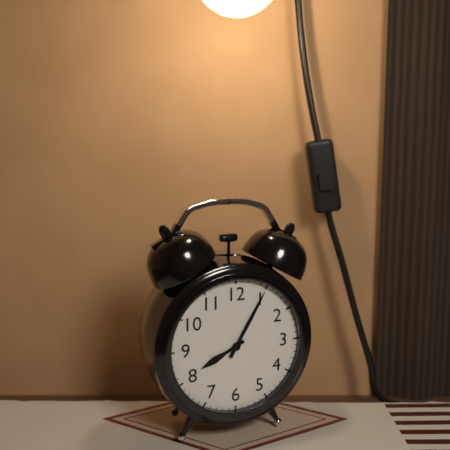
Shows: 8:05
